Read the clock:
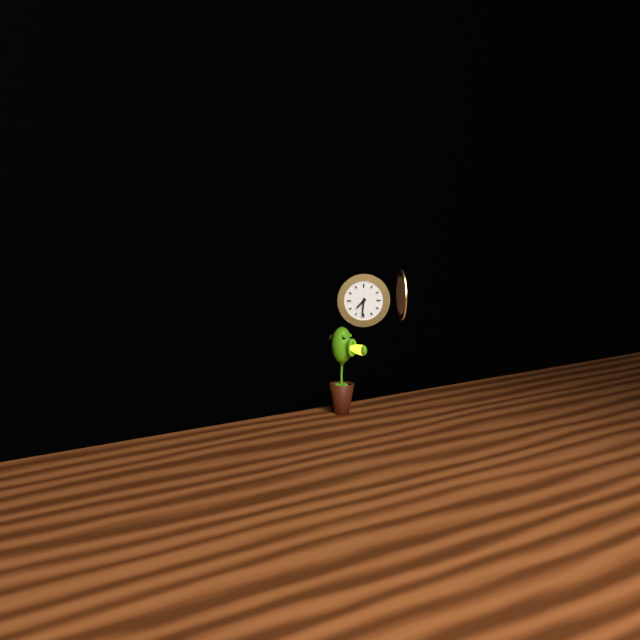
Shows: 7:31
